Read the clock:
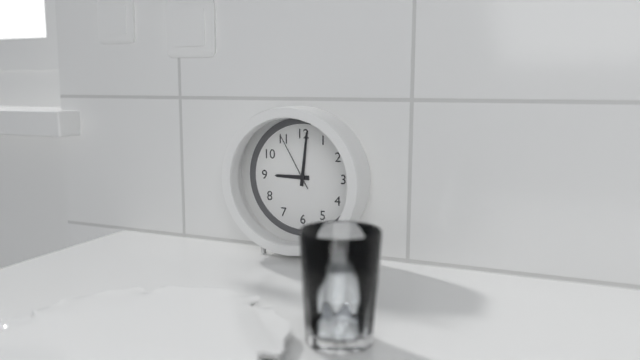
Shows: 9:01:55
